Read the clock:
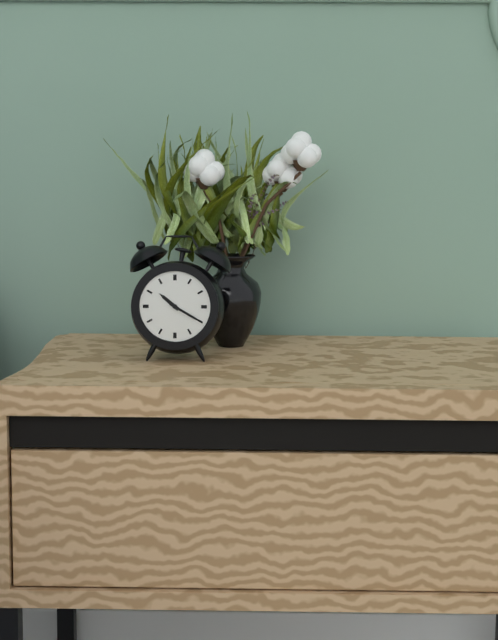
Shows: 10:20
